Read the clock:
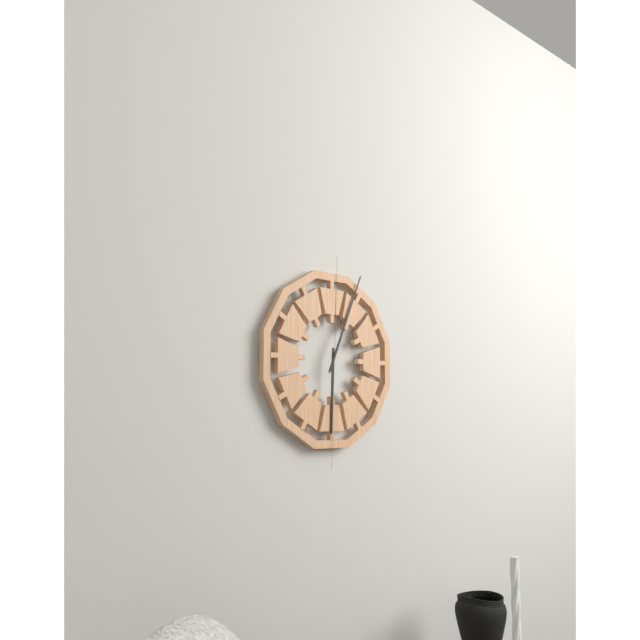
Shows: 6:04
